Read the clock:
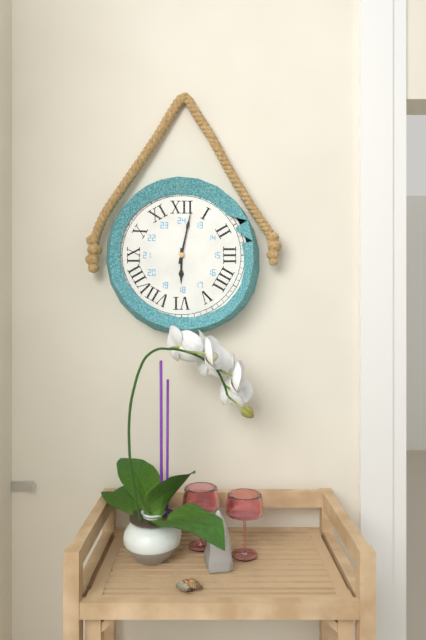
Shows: 6:02
